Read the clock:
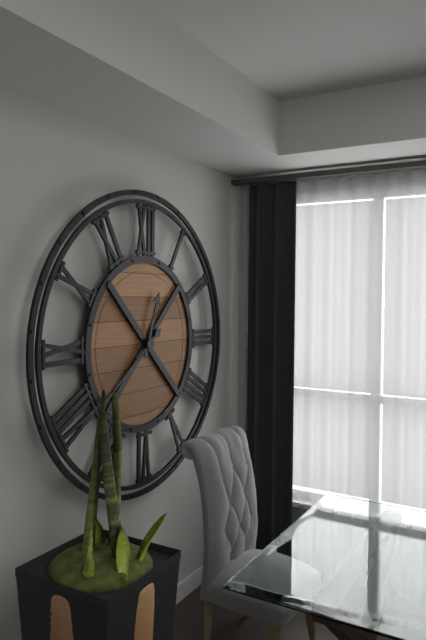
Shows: 12:39
